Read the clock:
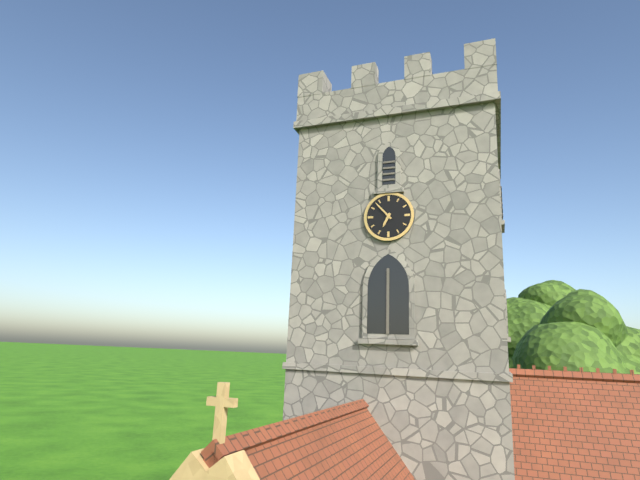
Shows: 6:53
